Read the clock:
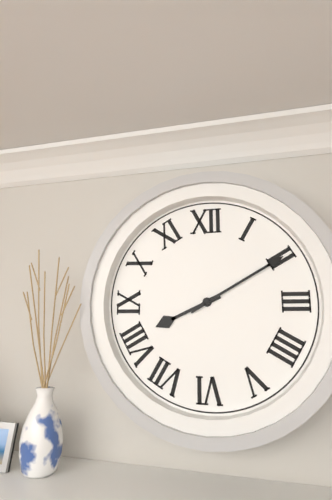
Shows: 8:10
